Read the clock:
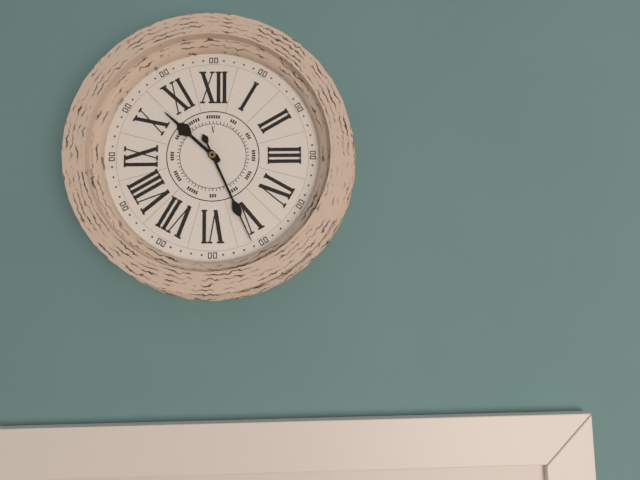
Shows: 10:26
